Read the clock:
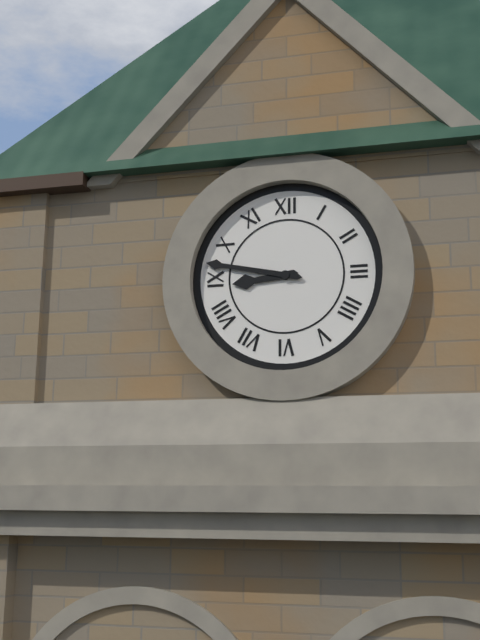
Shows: 8:47
